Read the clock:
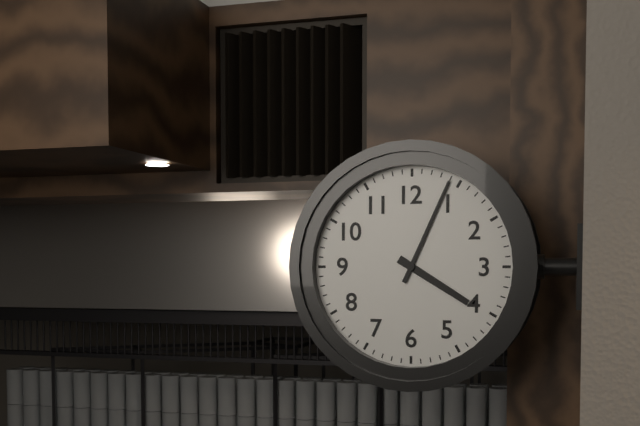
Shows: 4:04
